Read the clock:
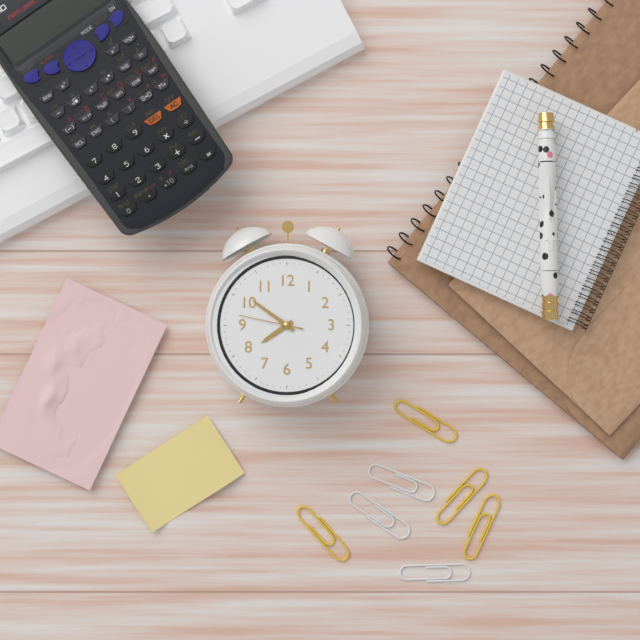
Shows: 7:51:47
